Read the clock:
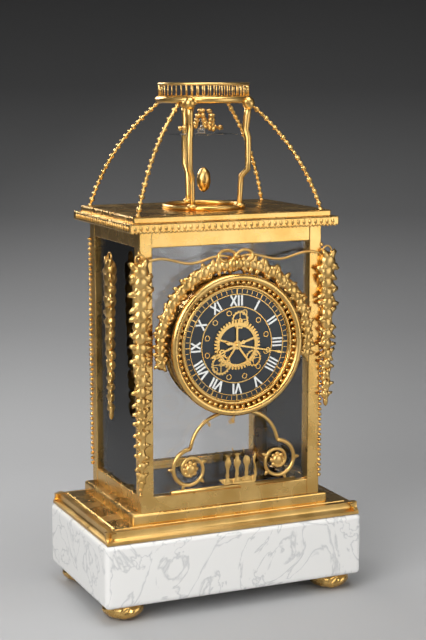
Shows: 8:17
